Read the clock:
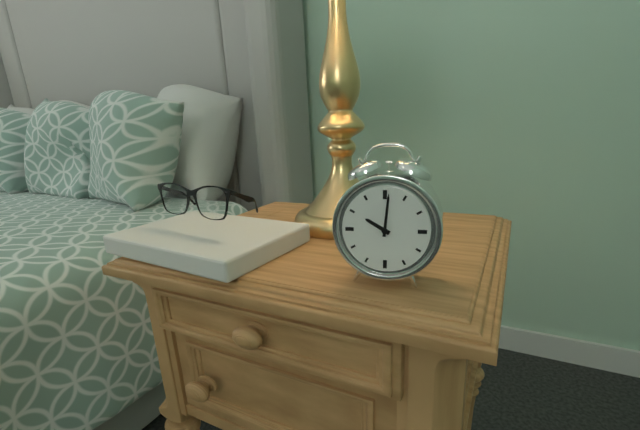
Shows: 10:01
